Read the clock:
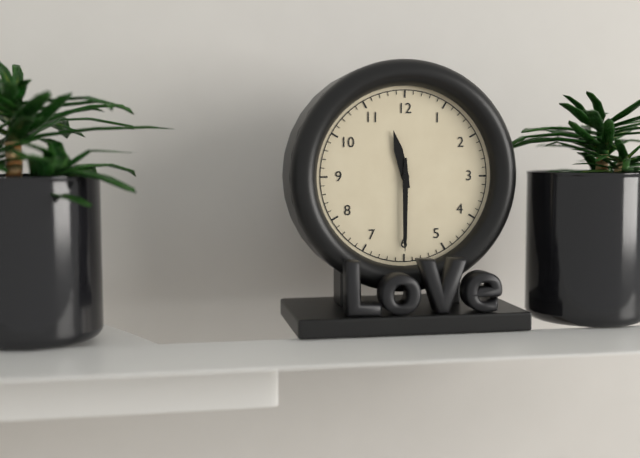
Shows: 11:30
